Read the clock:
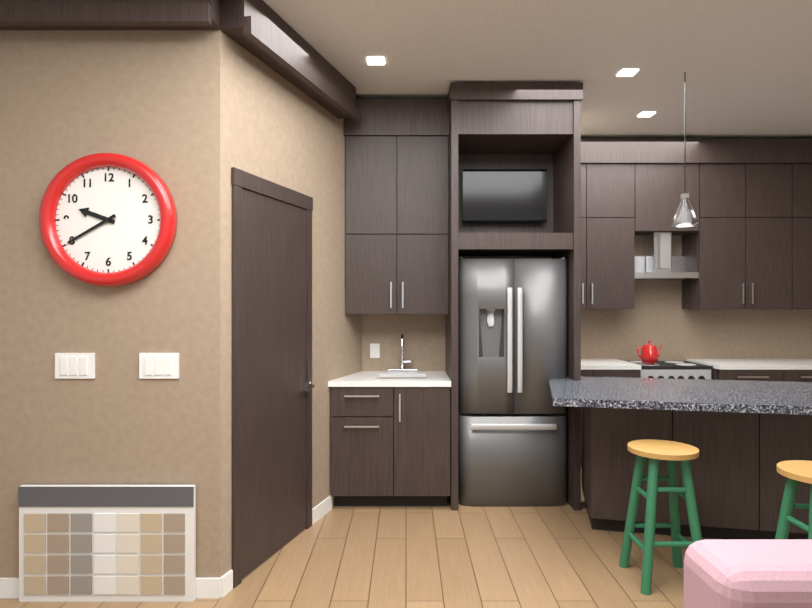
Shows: 9:40
